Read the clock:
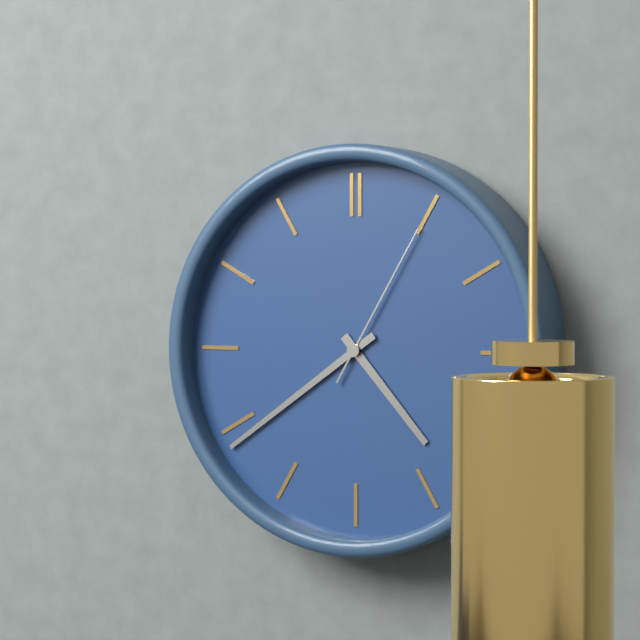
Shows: 4:39:05
